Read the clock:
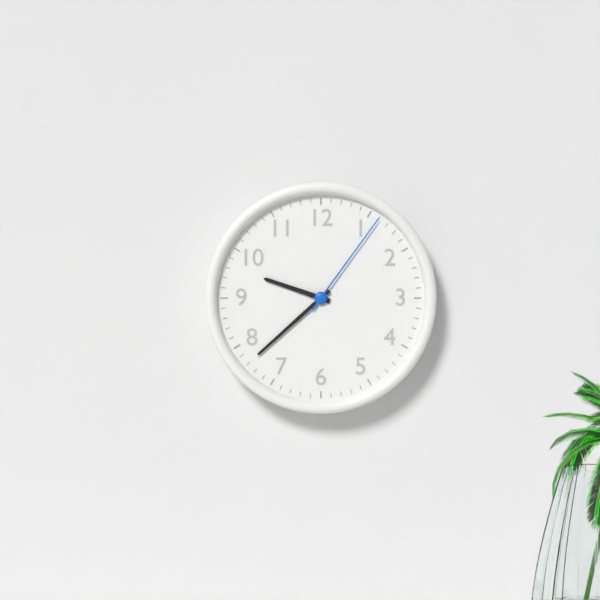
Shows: 9:38:06
